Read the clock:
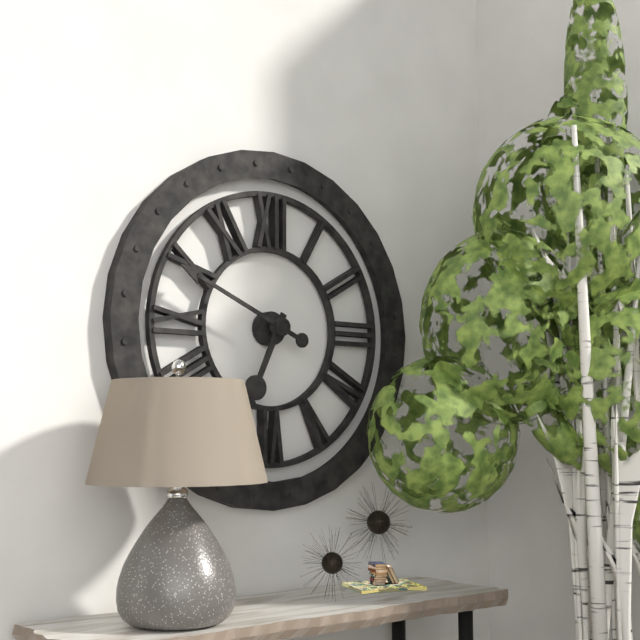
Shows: 6:49
